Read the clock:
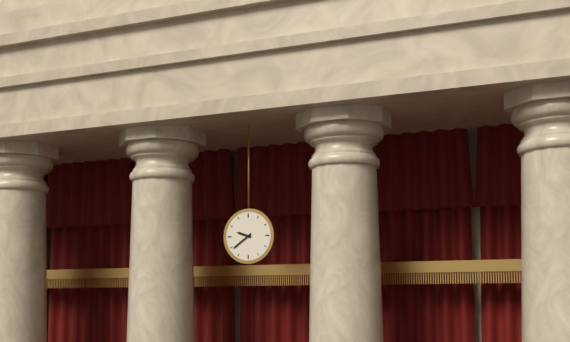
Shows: 9:39
